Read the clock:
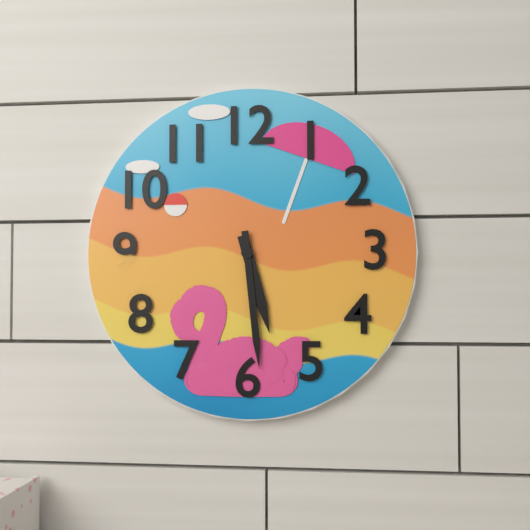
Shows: 5:29
